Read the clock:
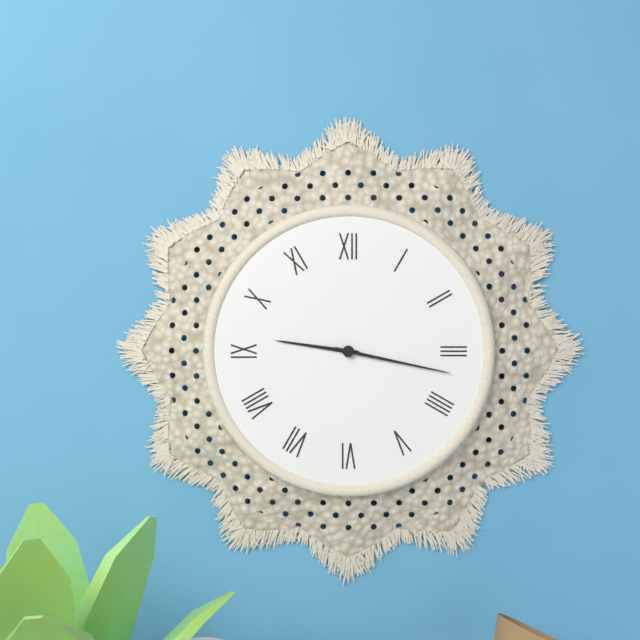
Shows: 9:17
